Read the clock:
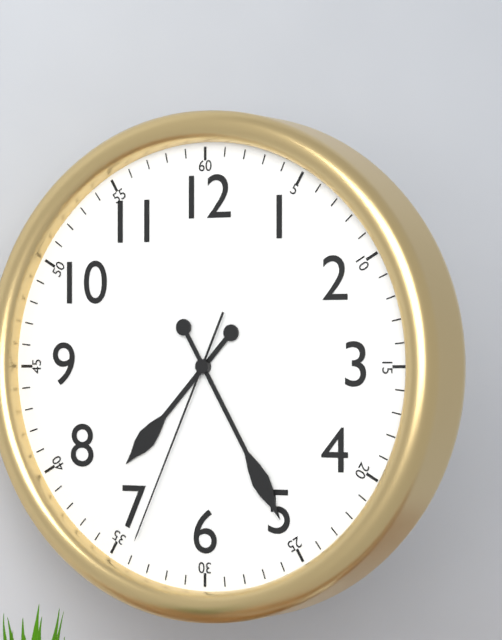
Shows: 7:25:34
